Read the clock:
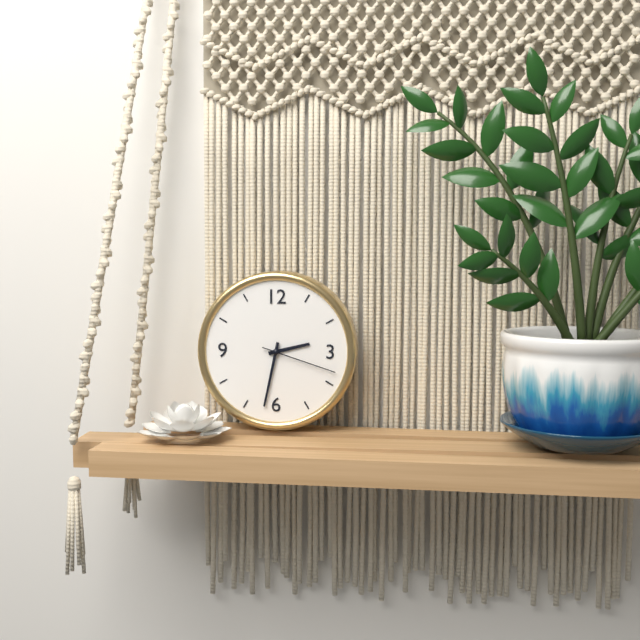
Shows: 2:32:18
